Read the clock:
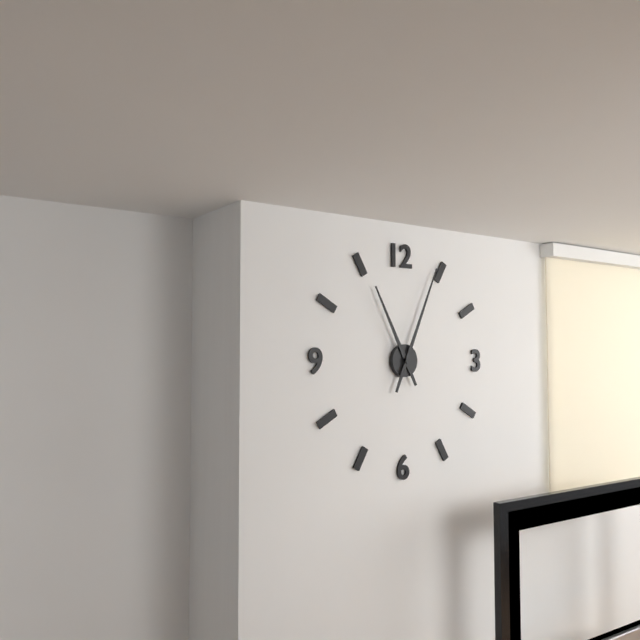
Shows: 11:04
